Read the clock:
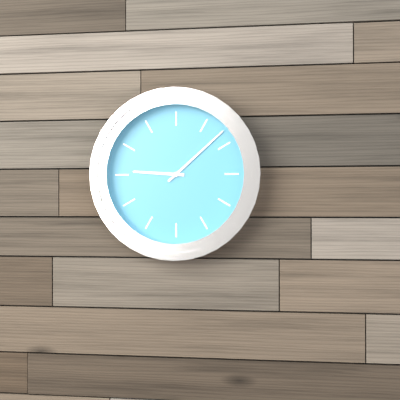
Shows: 9:08
